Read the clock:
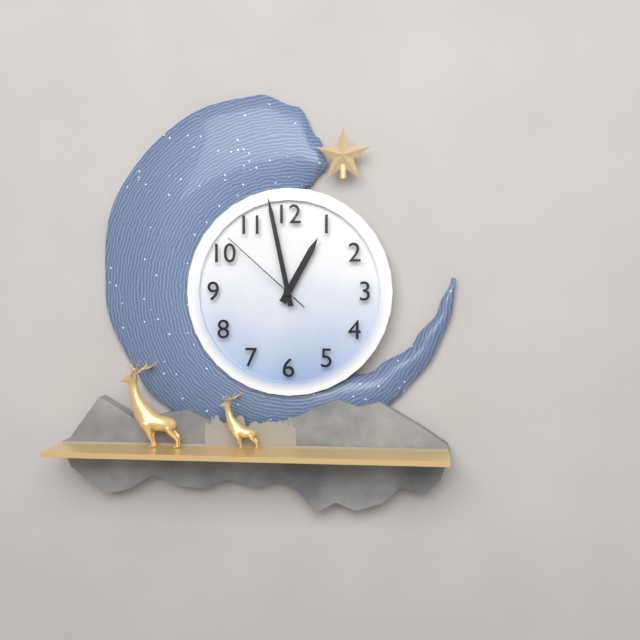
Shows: 12:58:52
